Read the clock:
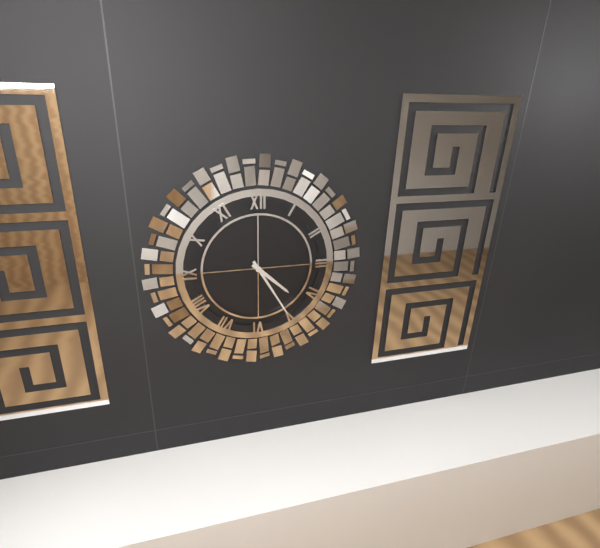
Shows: 4:25
